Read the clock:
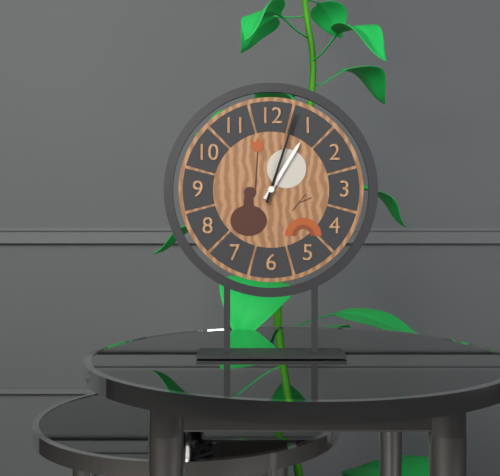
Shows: 1:03
